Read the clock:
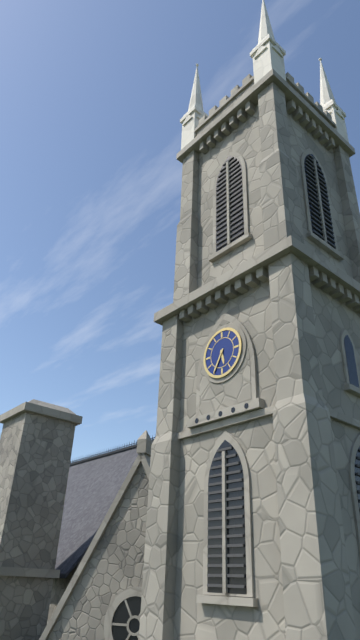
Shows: 5:35
